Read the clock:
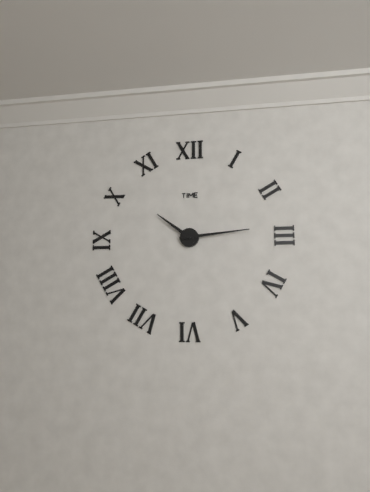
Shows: 10:14
